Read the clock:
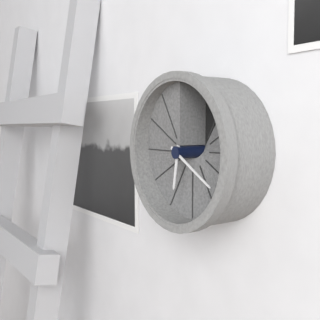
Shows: 6:20
